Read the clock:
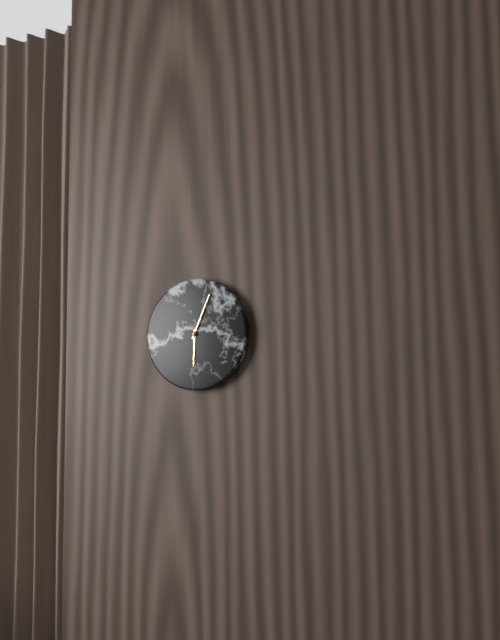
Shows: 6:04
